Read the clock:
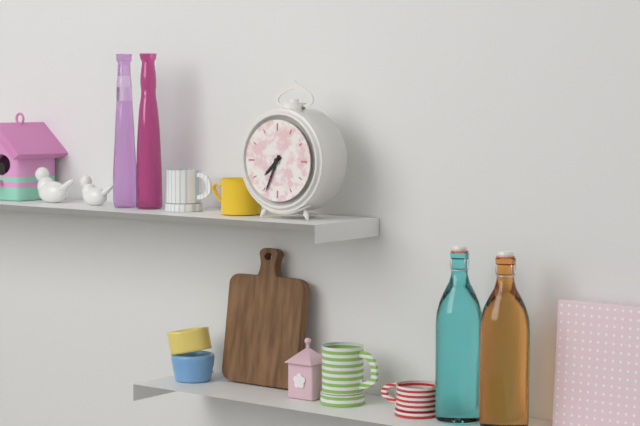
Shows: 7:34
